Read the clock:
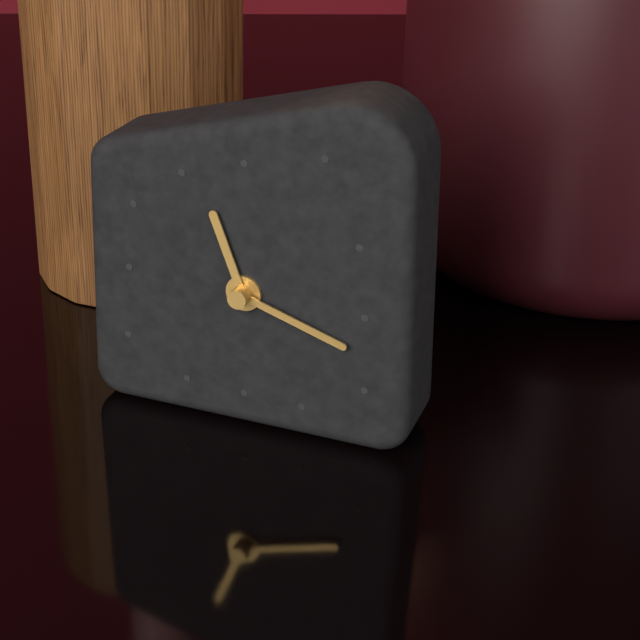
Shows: 11:18
